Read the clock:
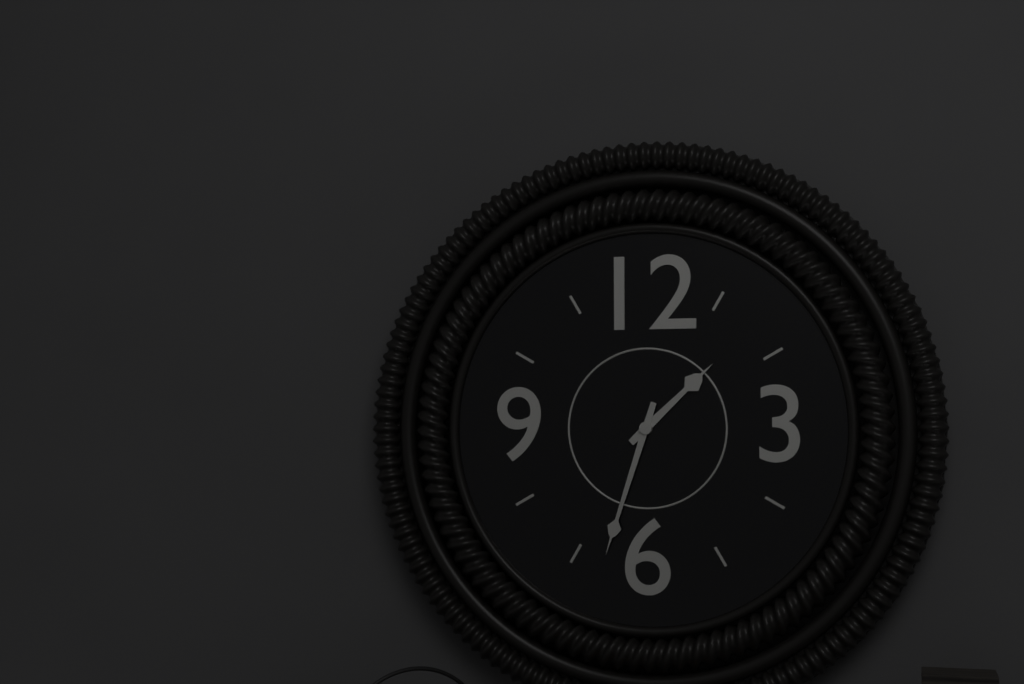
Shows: 1:33
